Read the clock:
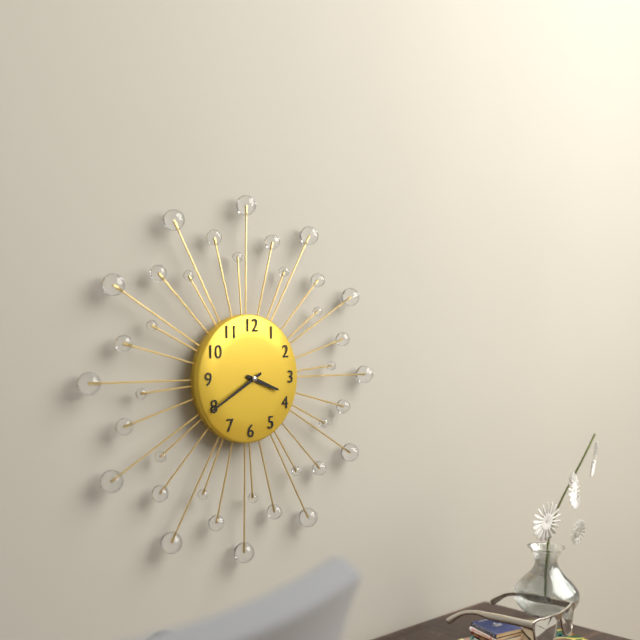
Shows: 3:40
